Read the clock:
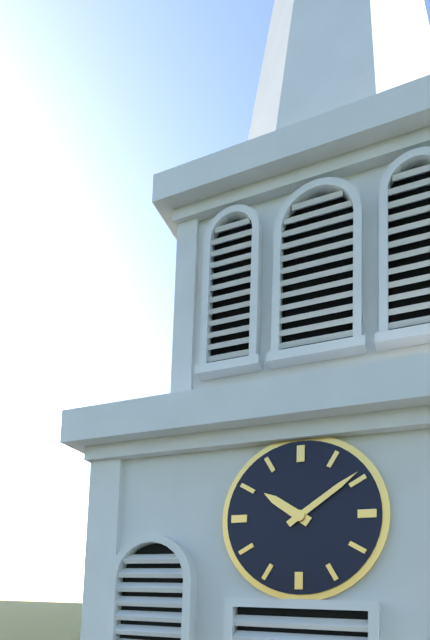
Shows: 10:09
